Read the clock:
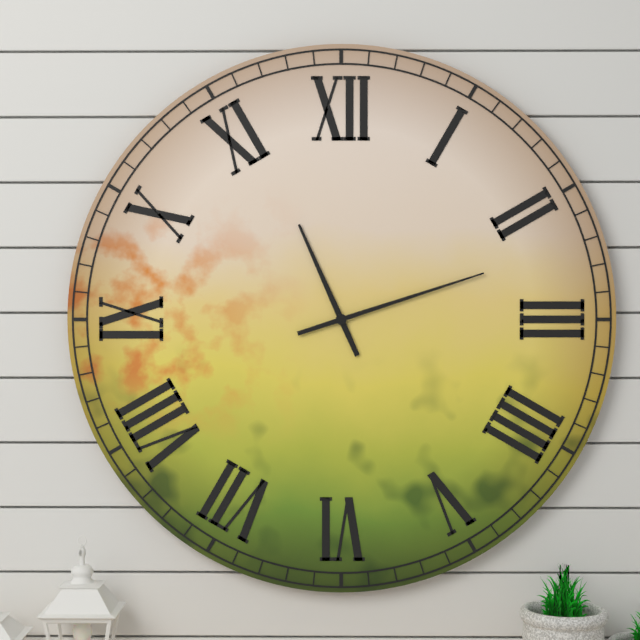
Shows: 11:12
